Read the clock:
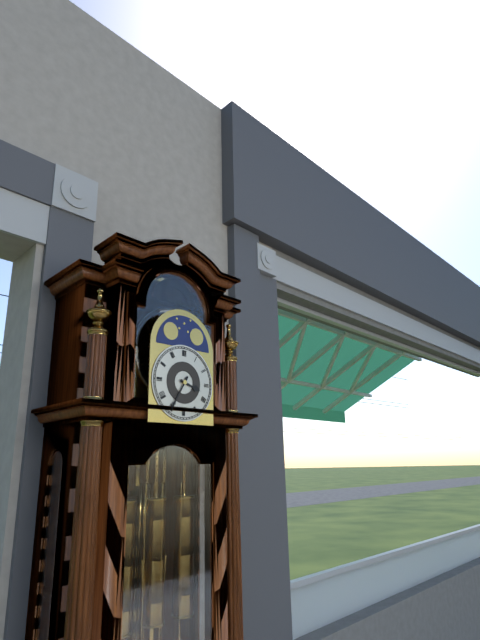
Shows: 3:35
